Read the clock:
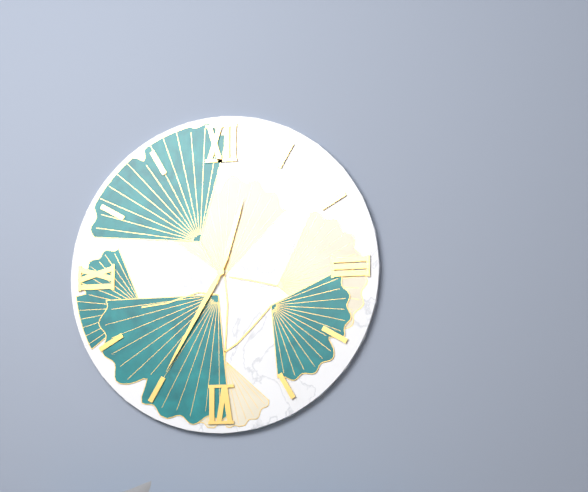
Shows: 12:35
